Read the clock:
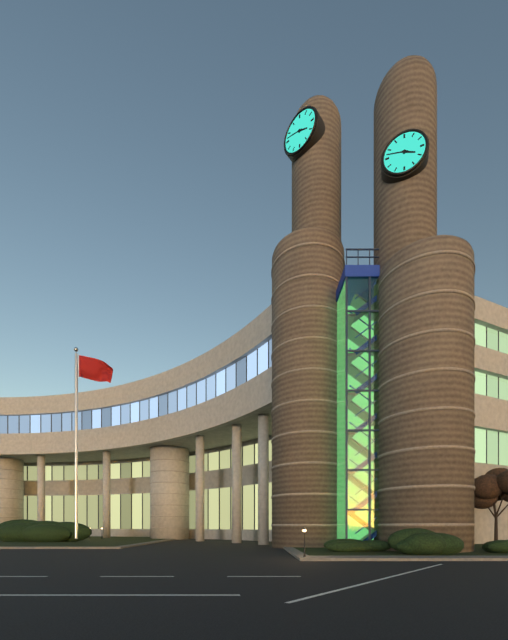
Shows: 3:47
